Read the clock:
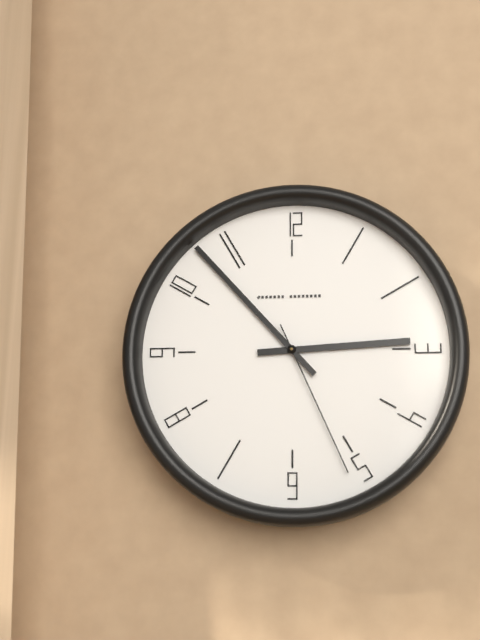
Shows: 2:53:26
